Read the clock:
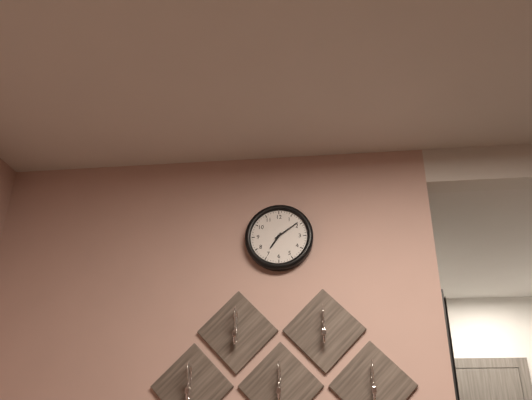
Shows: 7:09
